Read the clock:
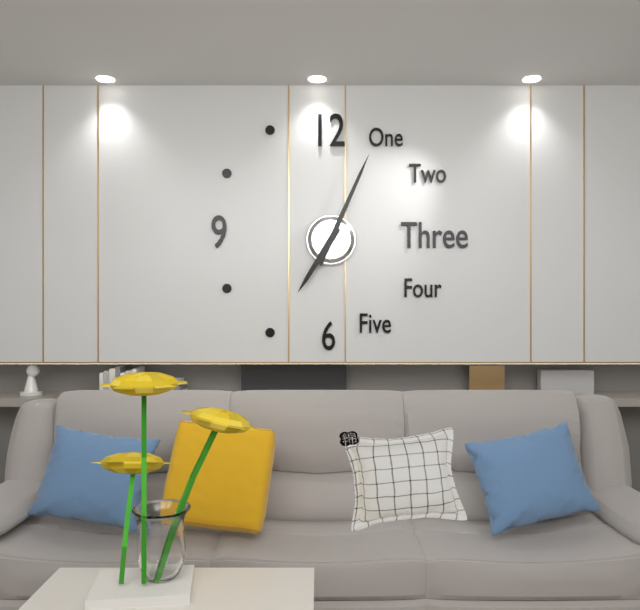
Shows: 7:04
